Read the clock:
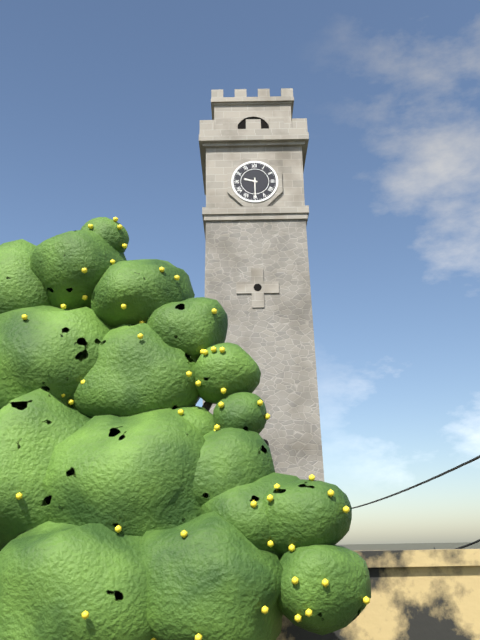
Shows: 9:30
